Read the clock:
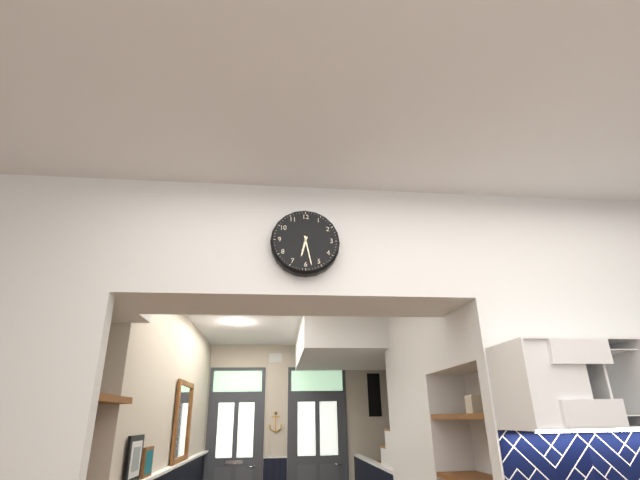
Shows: 6:28
